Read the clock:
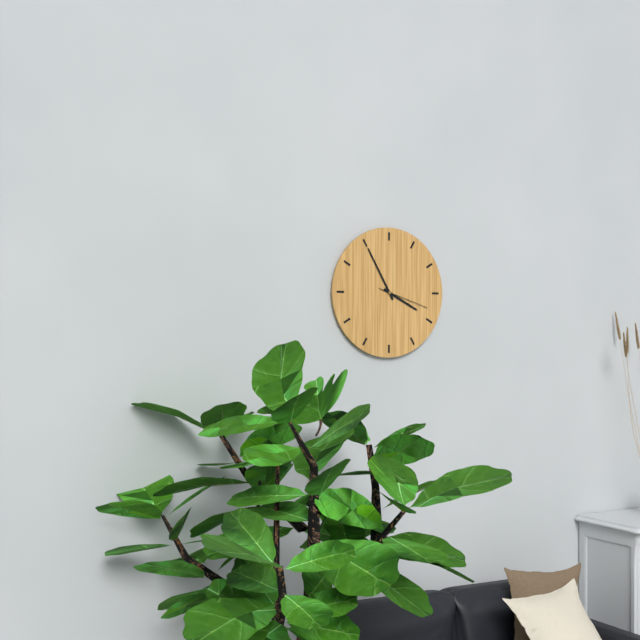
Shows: 3:55:18
